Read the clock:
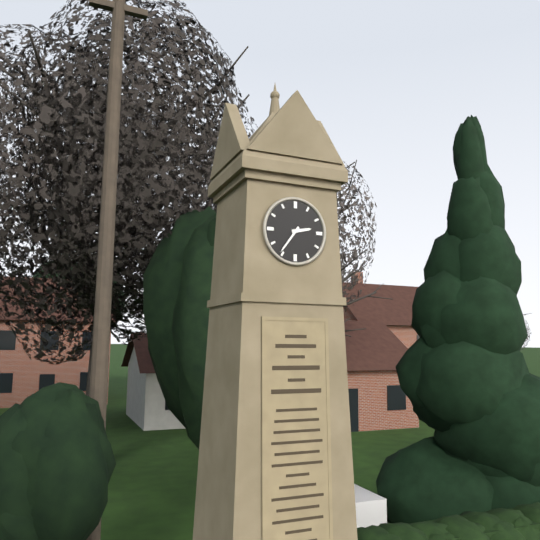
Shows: 2:36
